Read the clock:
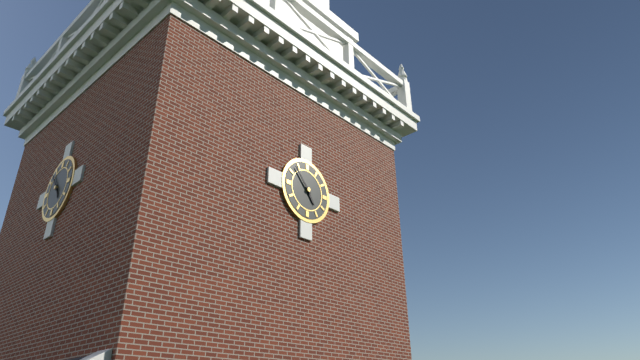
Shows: 4:53
